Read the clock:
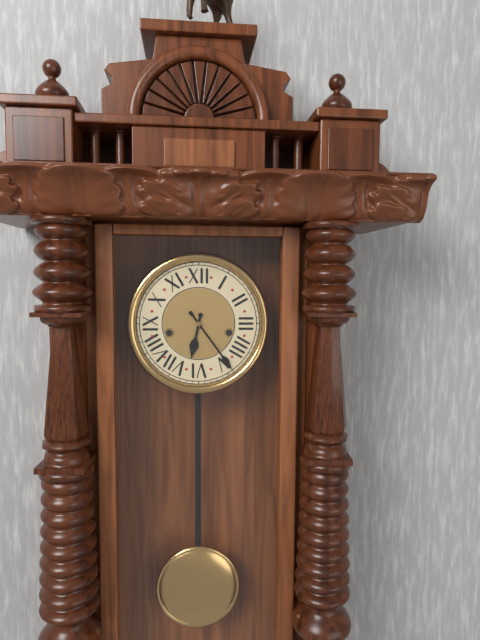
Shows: 6:24
